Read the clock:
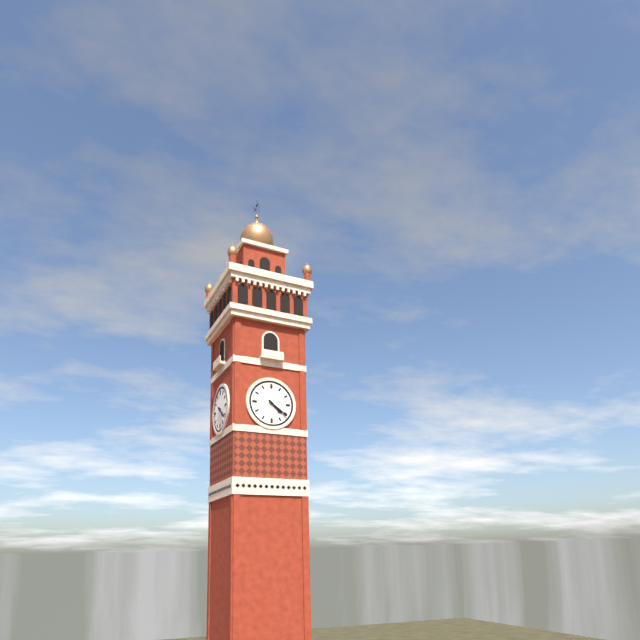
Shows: 4:21
